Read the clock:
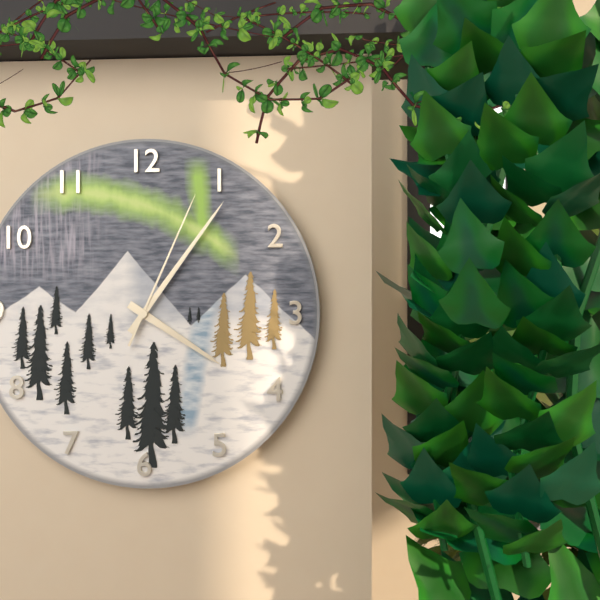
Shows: 4:06:04
